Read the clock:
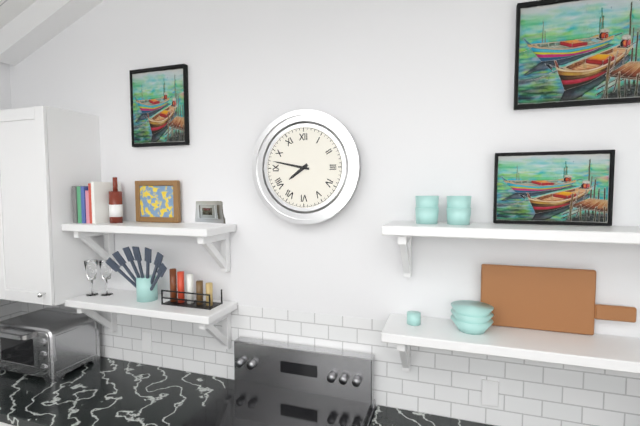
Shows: 7:47
